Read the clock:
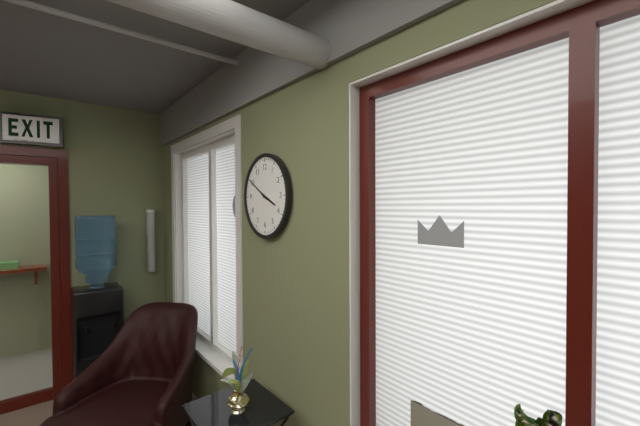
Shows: 3:50
